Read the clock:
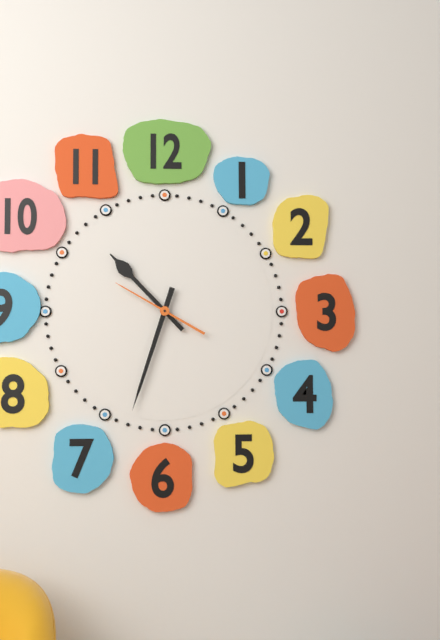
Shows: 10:33:50
